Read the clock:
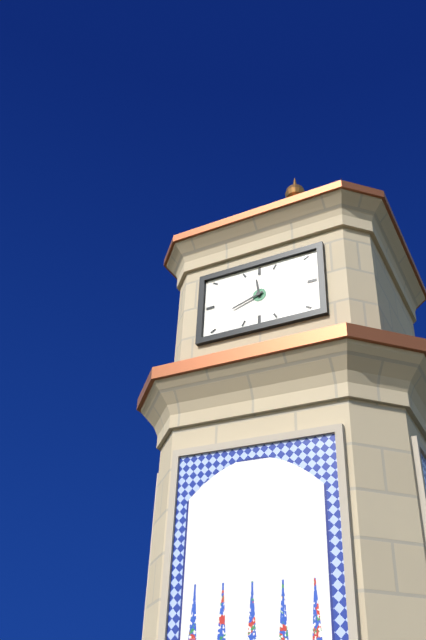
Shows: 11:42
